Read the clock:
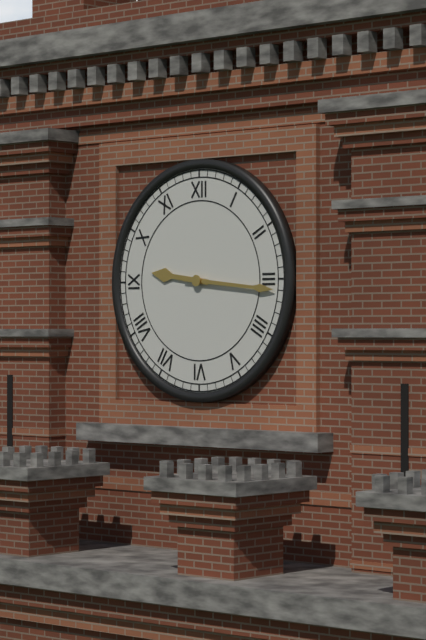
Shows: 9:16
